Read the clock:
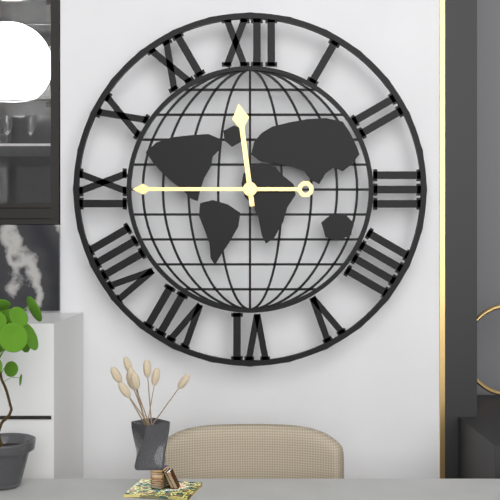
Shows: 11:45
